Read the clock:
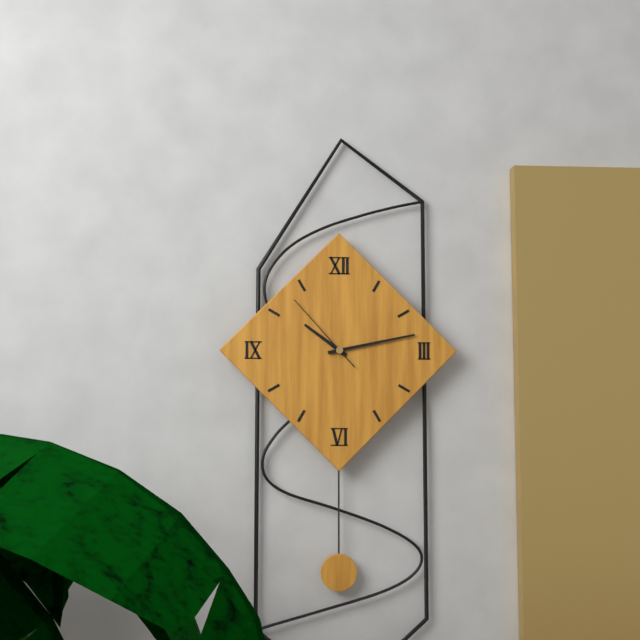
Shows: 10:13:53
